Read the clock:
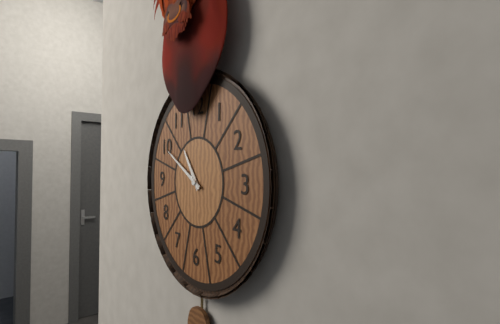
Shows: 10:50
